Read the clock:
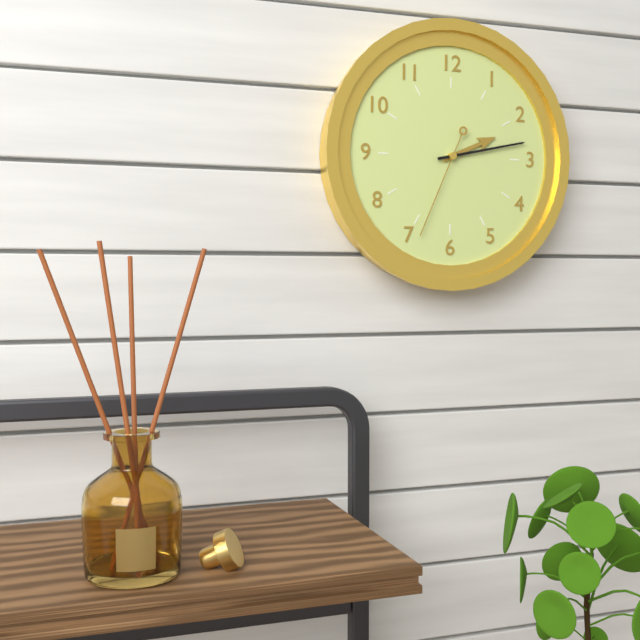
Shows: 2:13:34
